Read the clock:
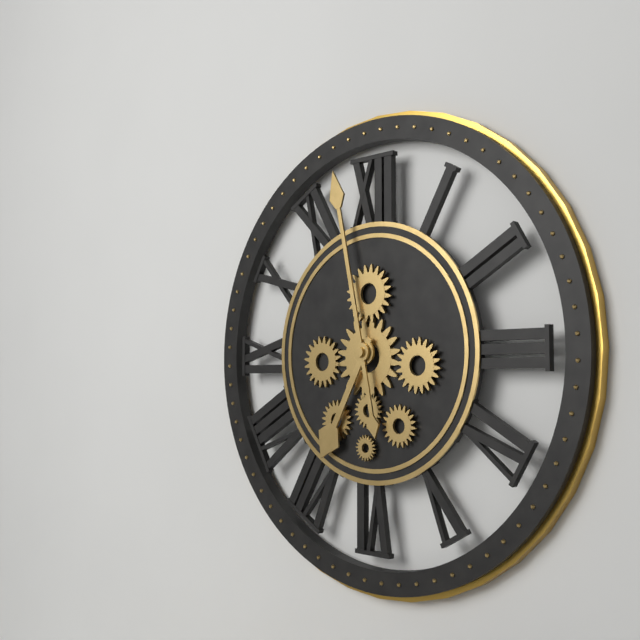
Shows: 6:58
